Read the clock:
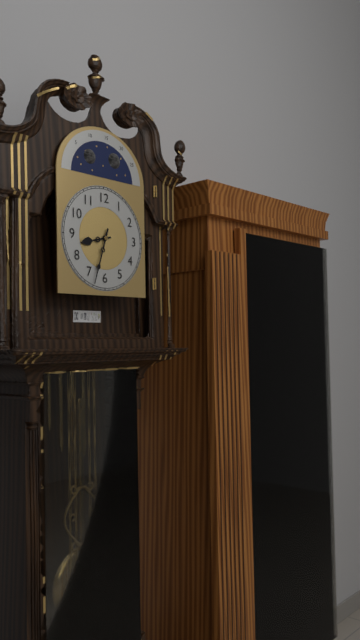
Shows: 8:33
